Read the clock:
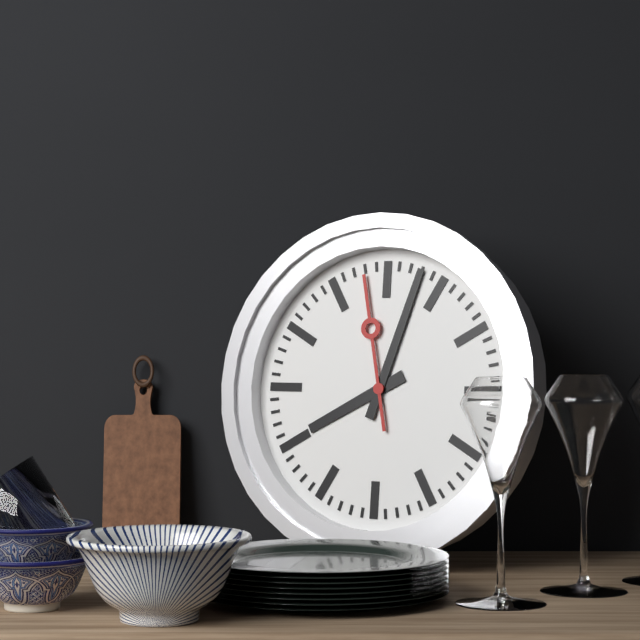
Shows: 8:03:58
